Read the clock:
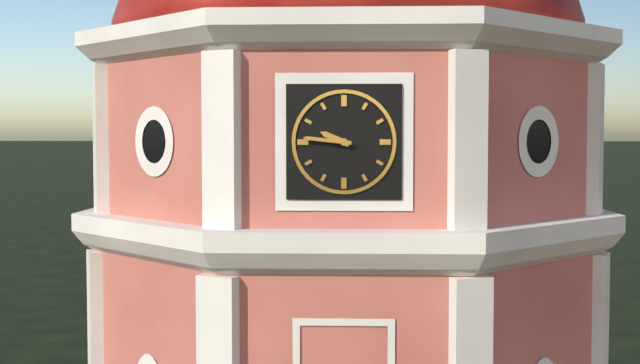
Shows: 9:46
